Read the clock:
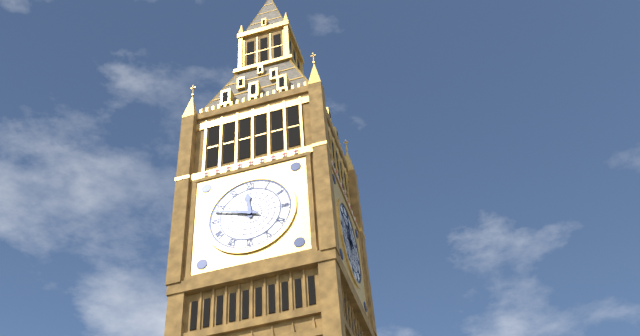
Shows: 11:48
